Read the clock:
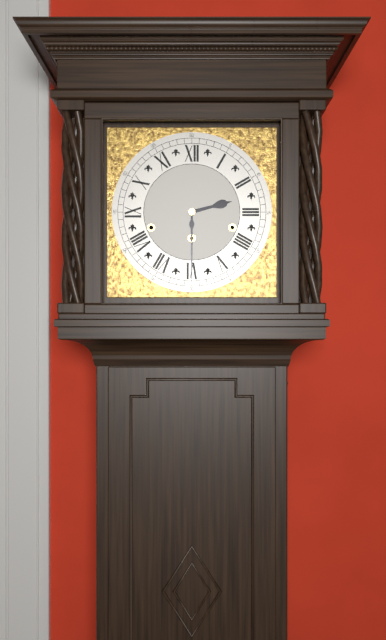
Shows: 2:30
